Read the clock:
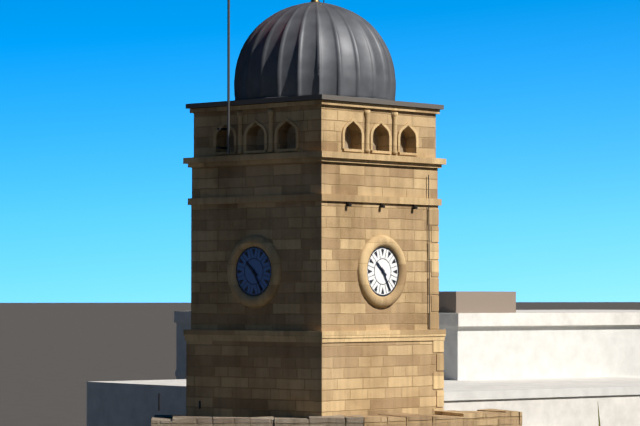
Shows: 10:25
